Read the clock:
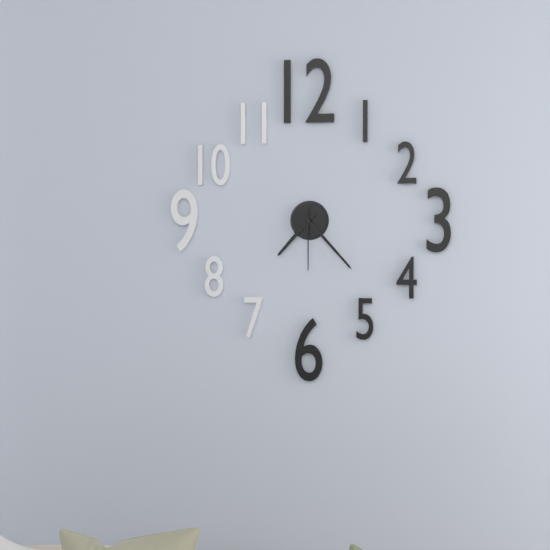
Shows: 7:23:30
